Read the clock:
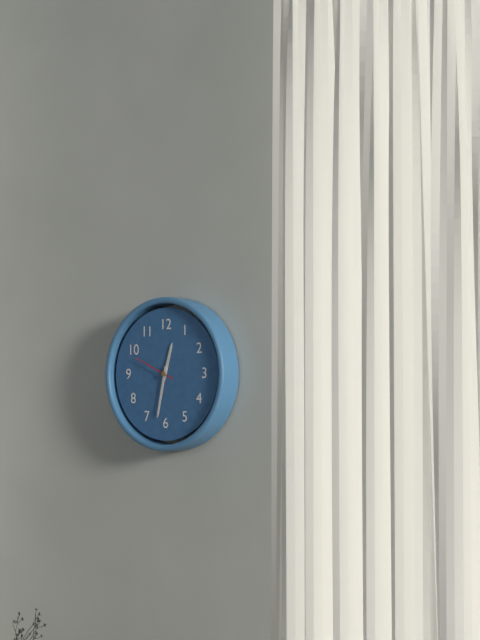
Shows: 12:32
